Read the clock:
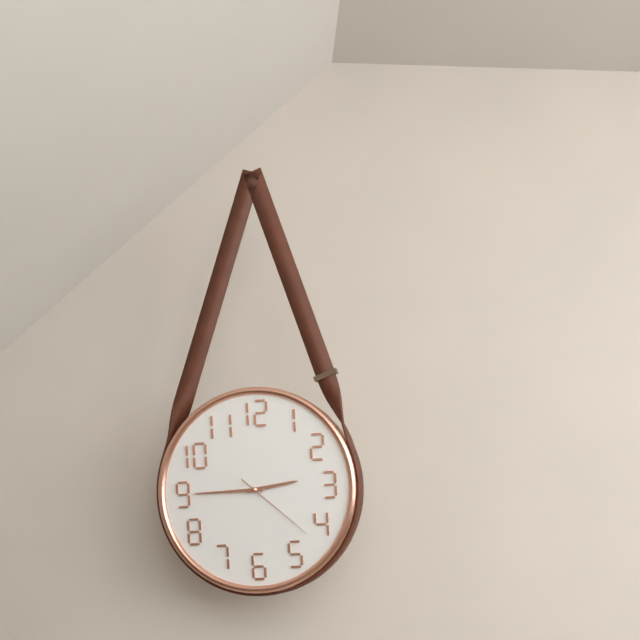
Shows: 2:45:22
